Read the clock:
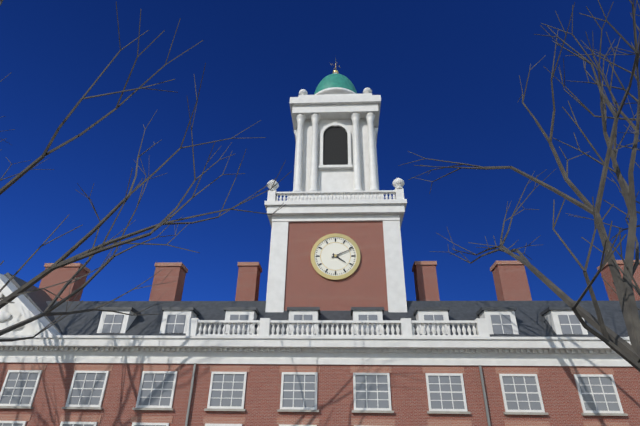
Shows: 4:11
